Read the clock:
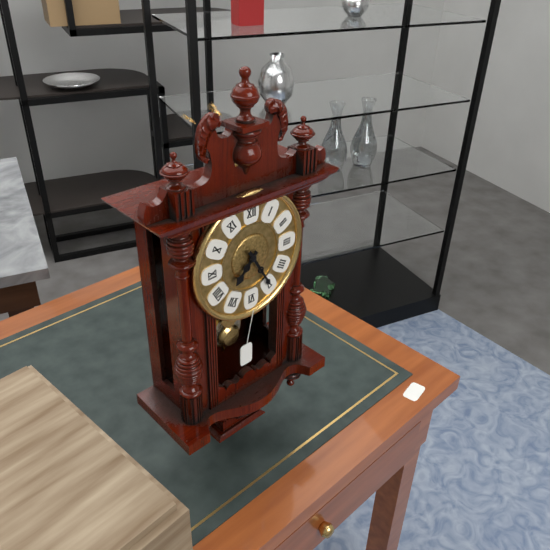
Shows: 7:25
